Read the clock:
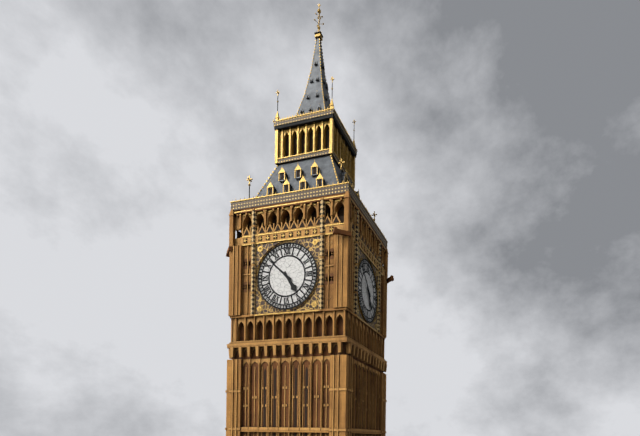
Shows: 4:52
